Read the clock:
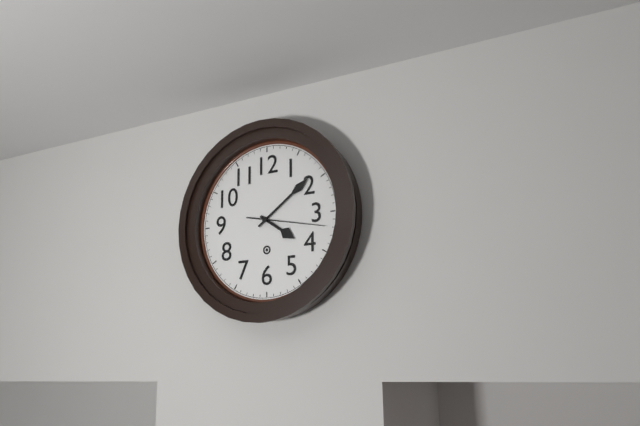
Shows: 4:09:17
